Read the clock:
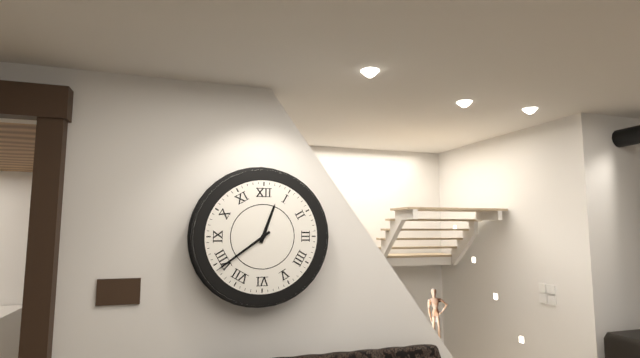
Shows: 12:39
